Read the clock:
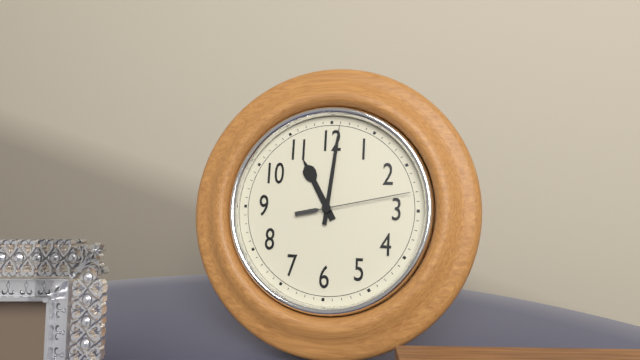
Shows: 11:01:13
